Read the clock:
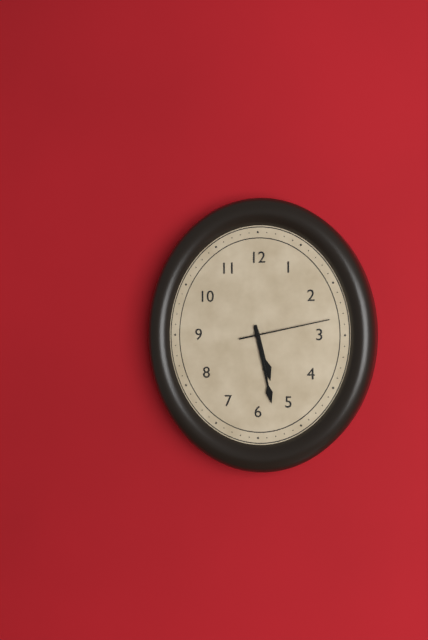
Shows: 5:28:13
